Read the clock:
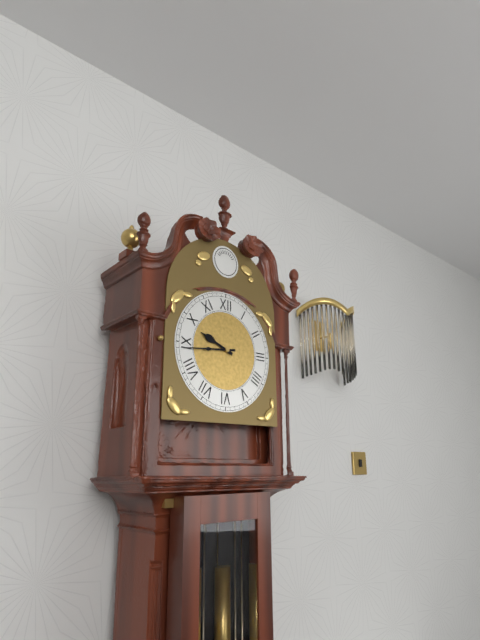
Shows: 9:44
